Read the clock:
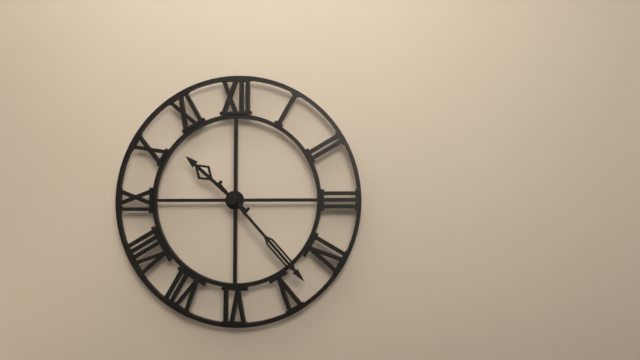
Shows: 10:23
